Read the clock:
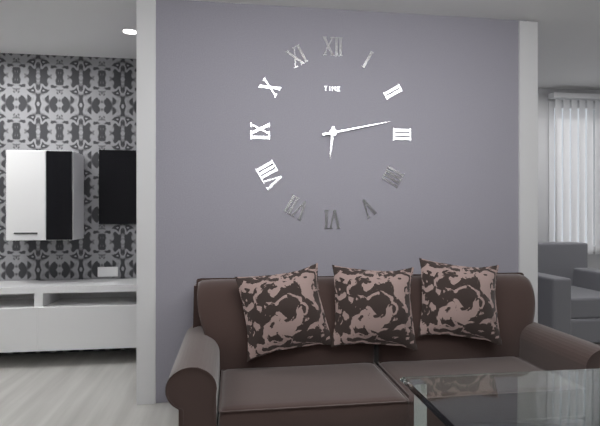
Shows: 6:13
